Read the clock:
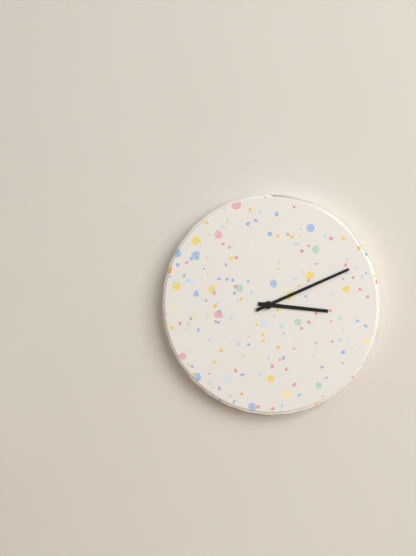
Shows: 3:11
